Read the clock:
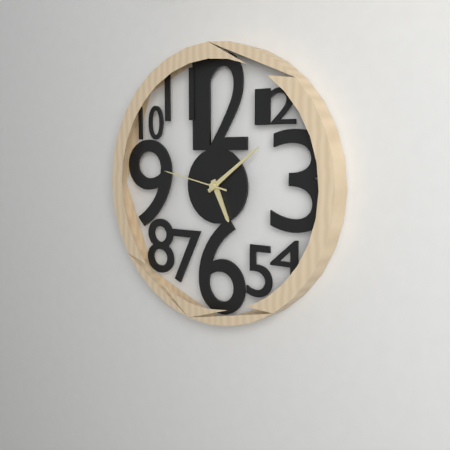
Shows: 5:09:47
